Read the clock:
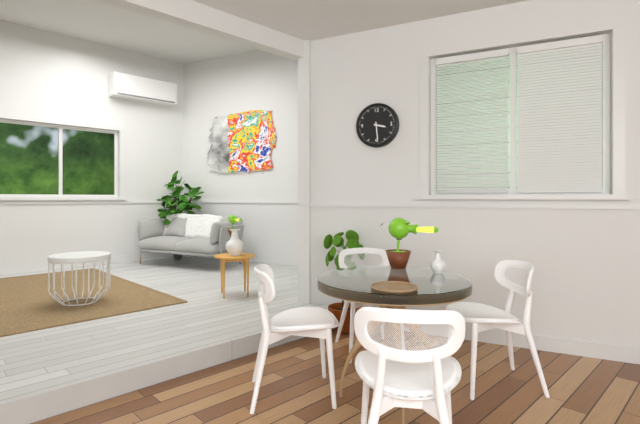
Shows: 3:29
